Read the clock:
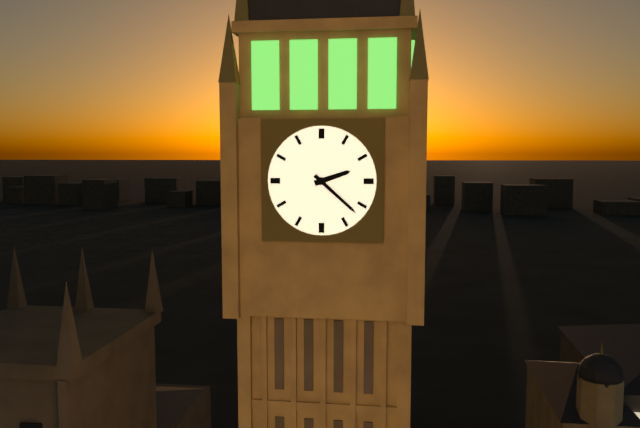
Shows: 2:22
